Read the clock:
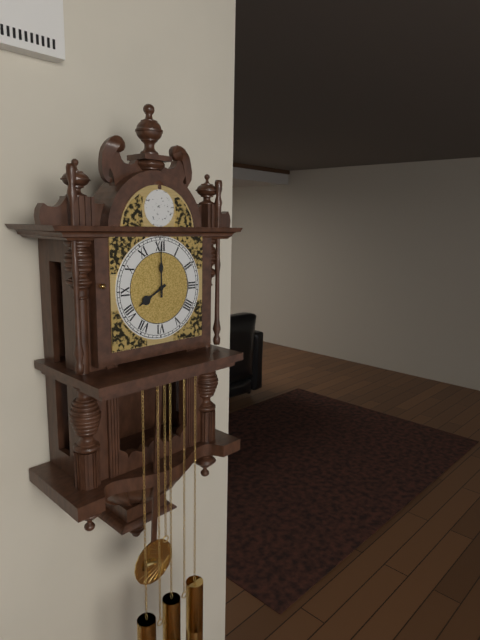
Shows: 8:00
